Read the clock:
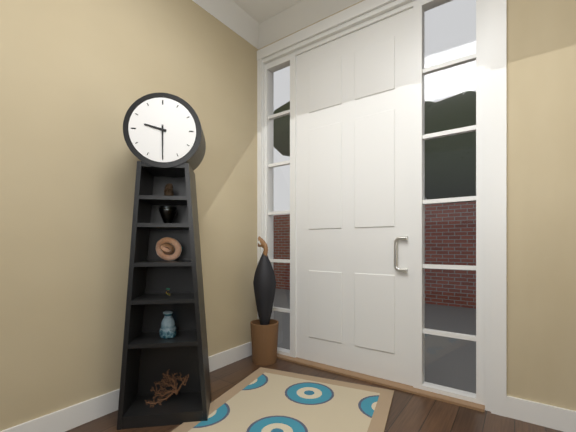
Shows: 9:30
